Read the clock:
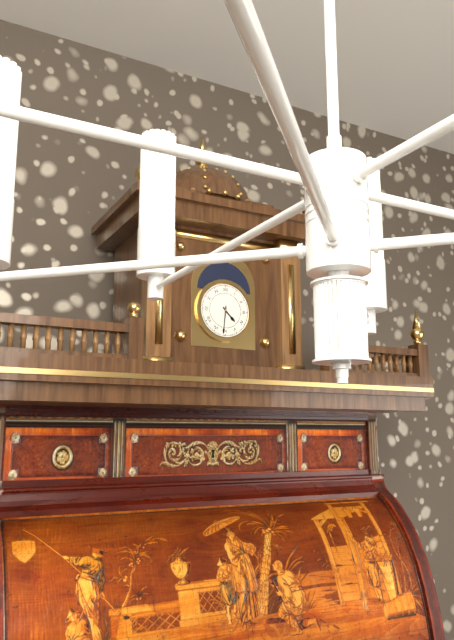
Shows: 4:31
